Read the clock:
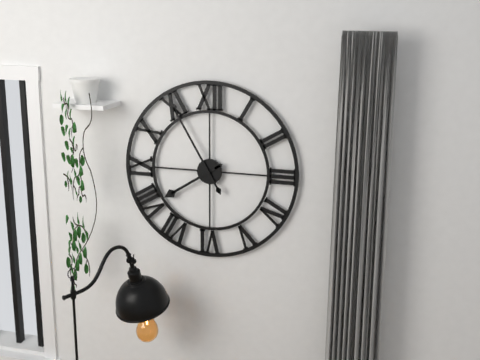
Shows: 7:55
